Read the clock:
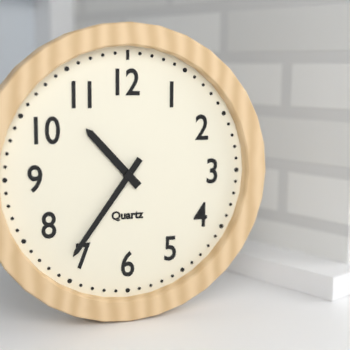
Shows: 10:36
